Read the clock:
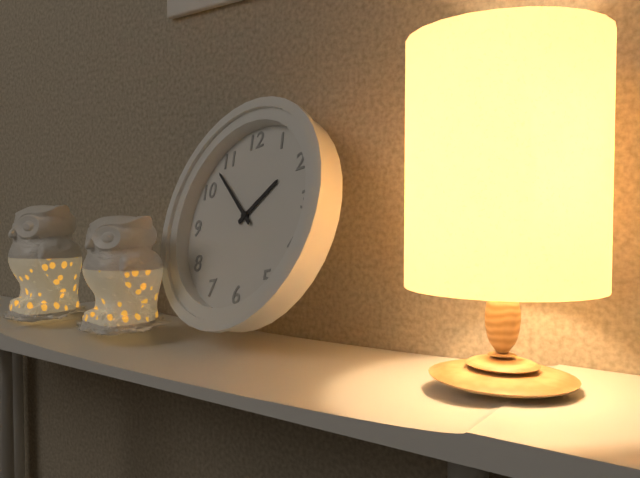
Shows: 1:53
